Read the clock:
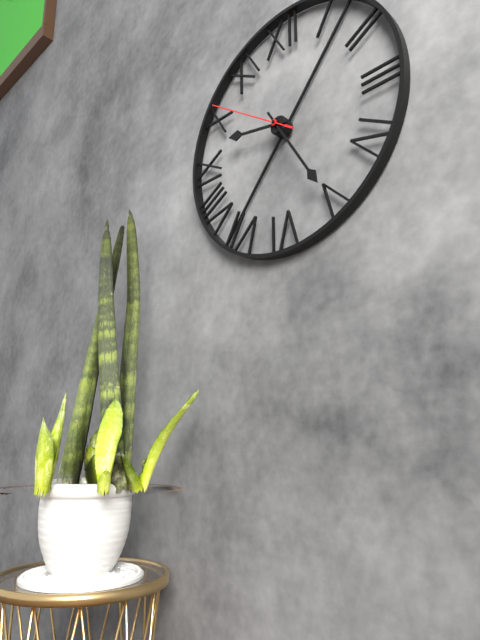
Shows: 9:25:51
